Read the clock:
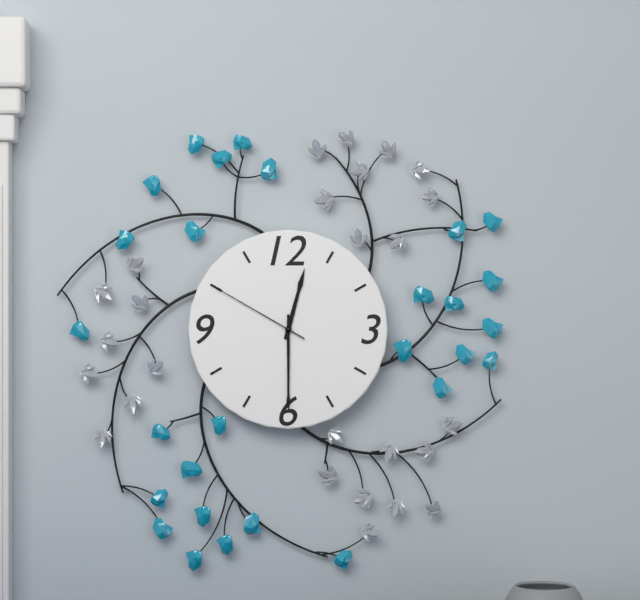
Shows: 12:30:50
